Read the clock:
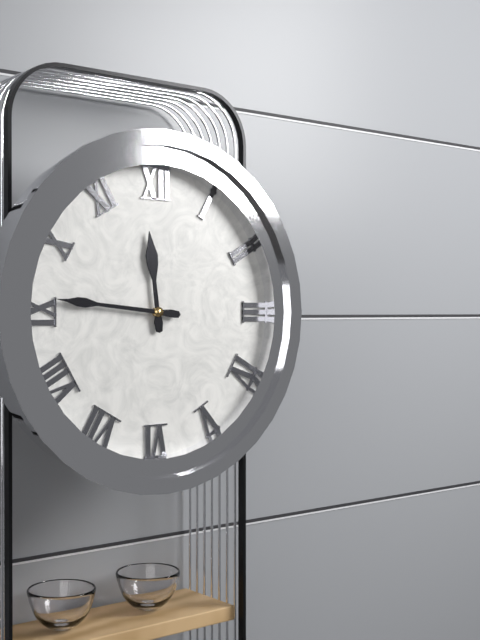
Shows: 11:46
